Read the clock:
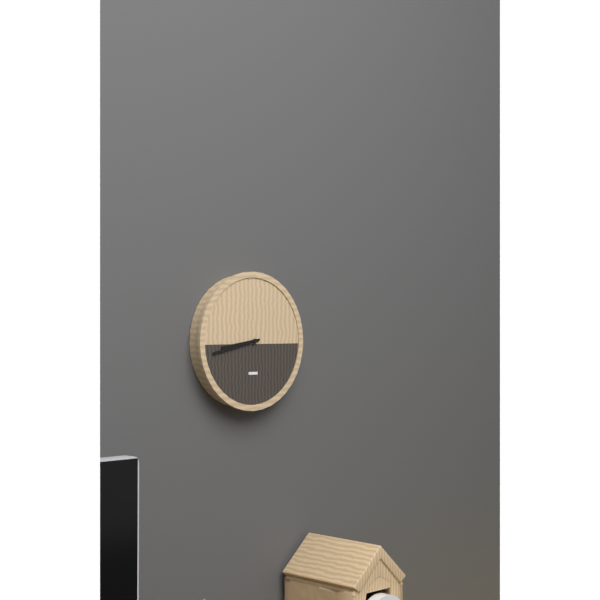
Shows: 8:43
